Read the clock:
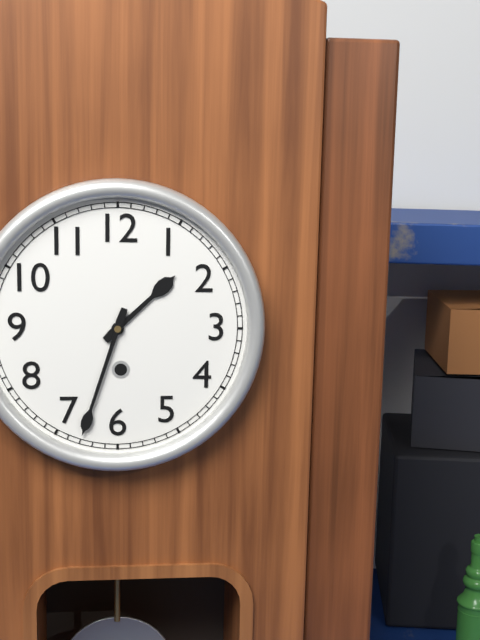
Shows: 1:33
